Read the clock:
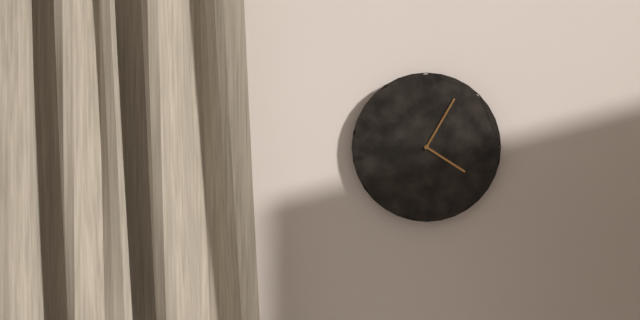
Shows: 4:05
